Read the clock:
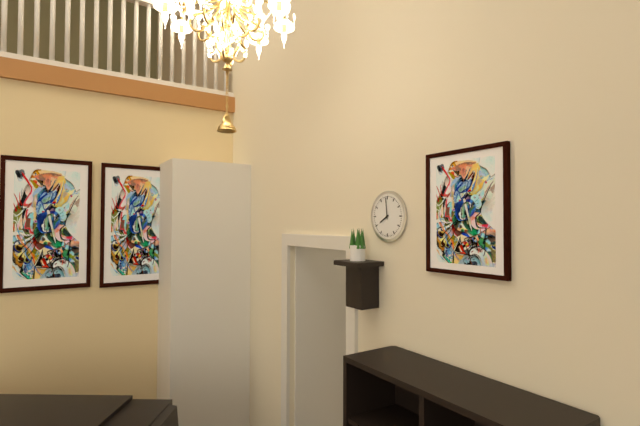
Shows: 7:59
